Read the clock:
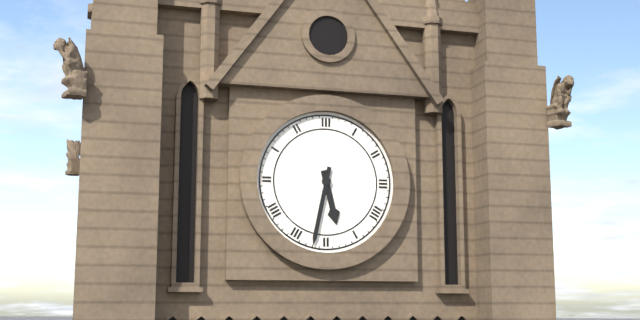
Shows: 5:32
